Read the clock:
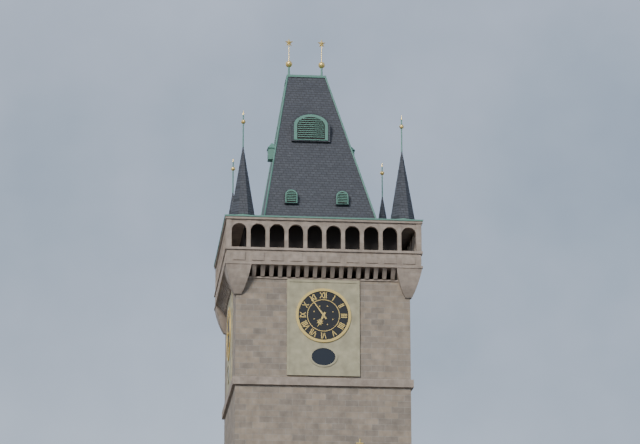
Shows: 6:54
